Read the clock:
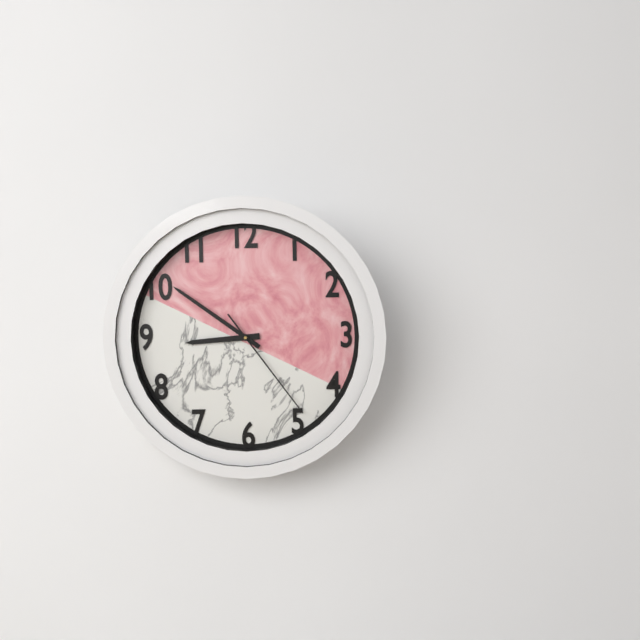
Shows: 8:51:24
